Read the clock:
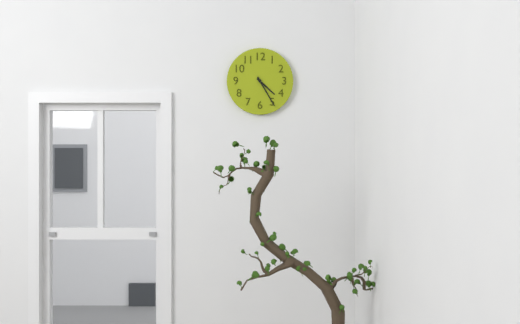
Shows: 4:25
